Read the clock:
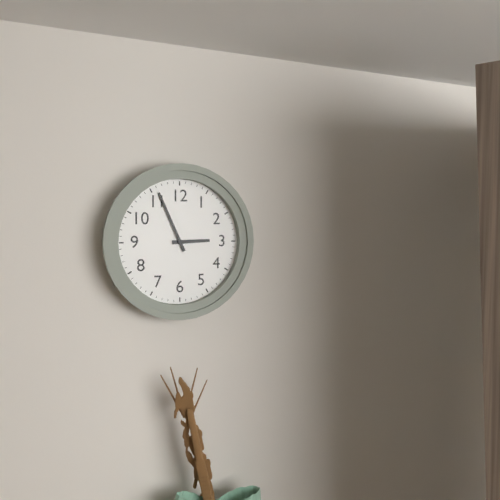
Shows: 2:56
